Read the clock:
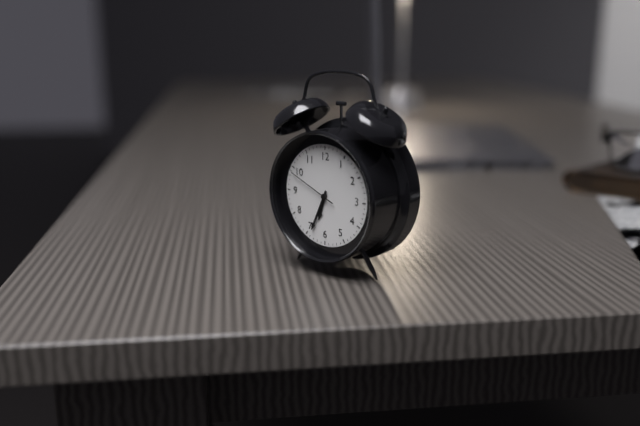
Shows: 6:34:49
